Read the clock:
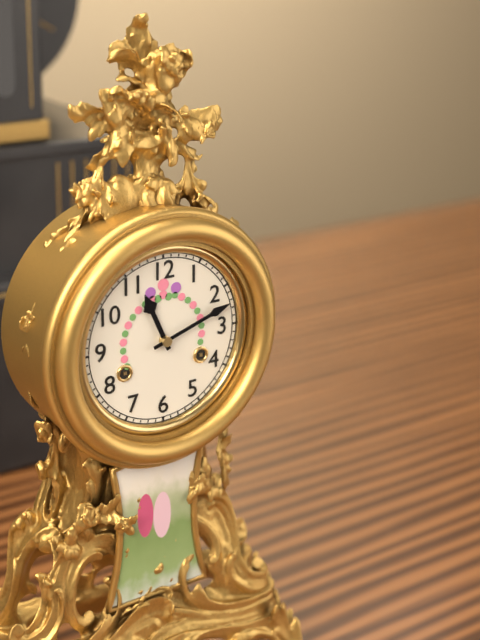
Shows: 11:12
